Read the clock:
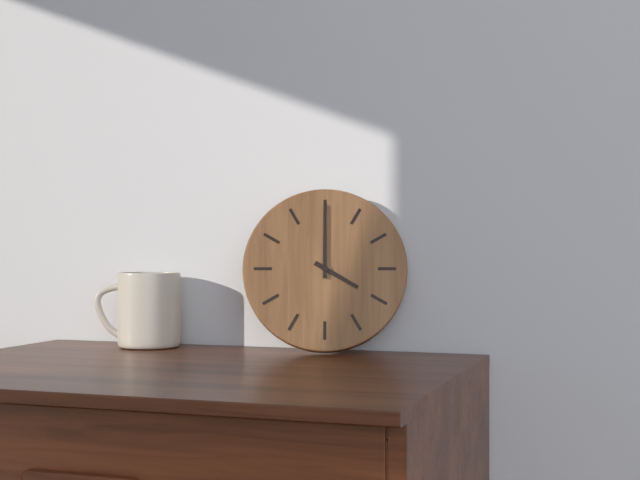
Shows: 4:00
